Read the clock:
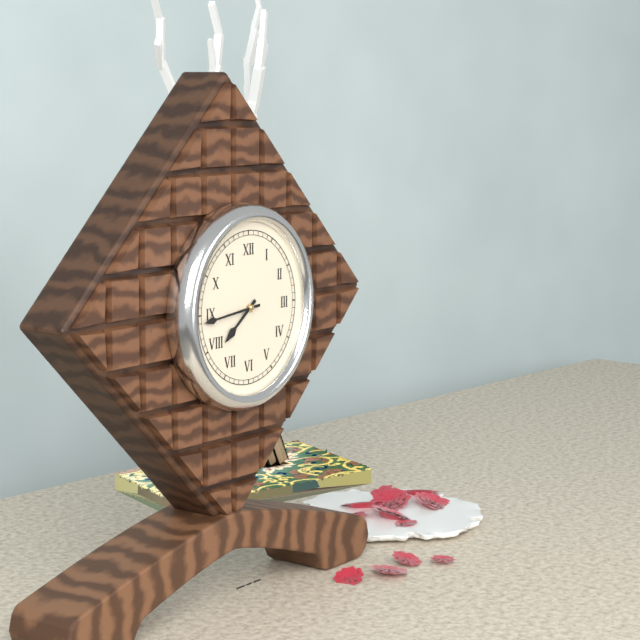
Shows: 7:44
